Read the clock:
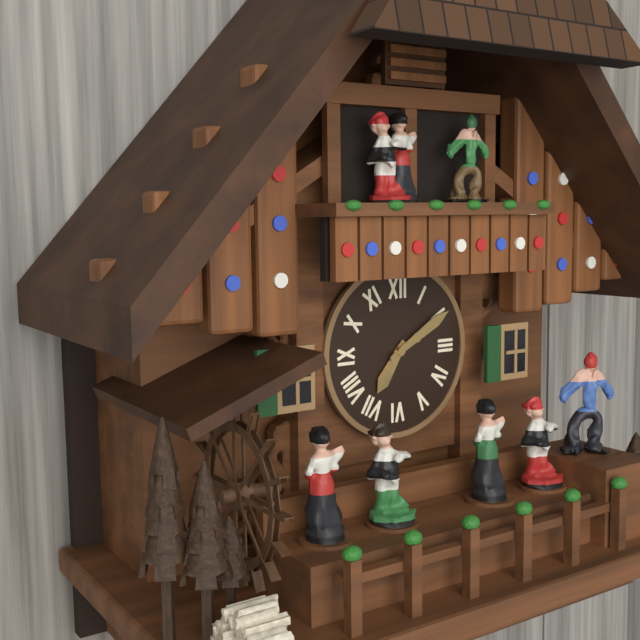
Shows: 7:10
